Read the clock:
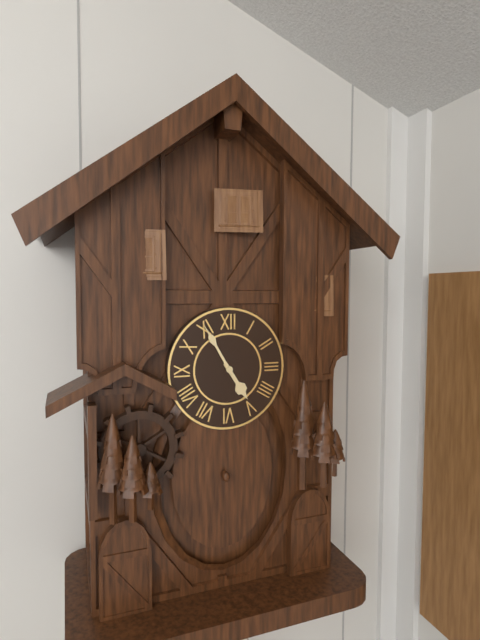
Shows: 4:55
